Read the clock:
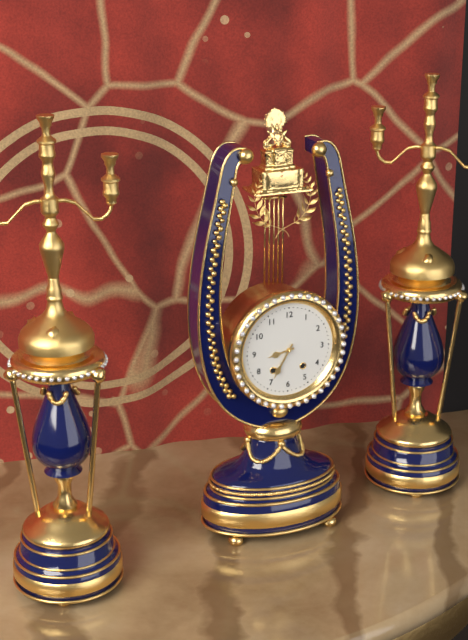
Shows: 8:35
